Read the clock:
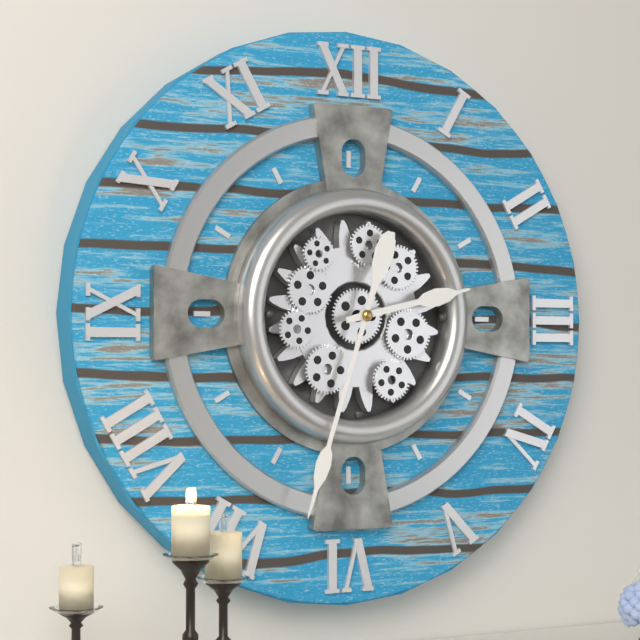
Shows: 2:33
